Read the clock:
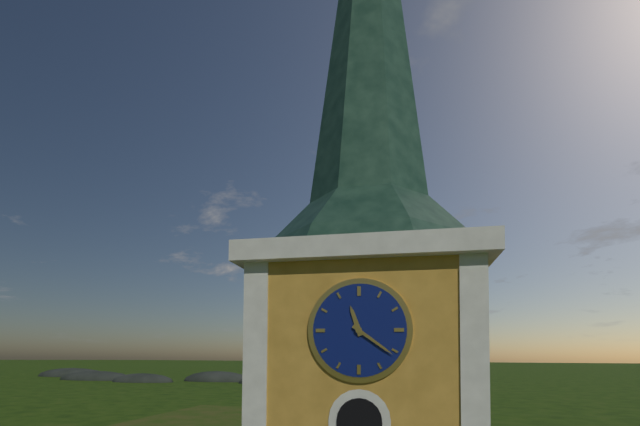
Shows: 11:21
